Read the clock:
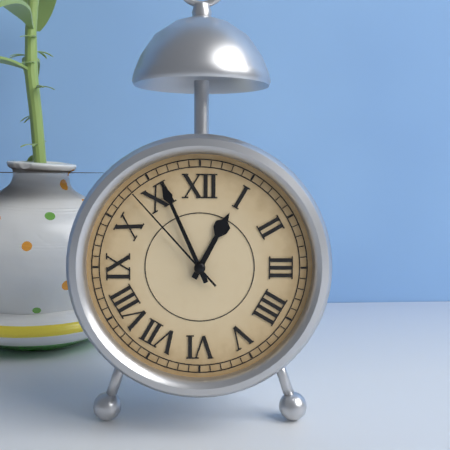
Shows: 12:56:53
